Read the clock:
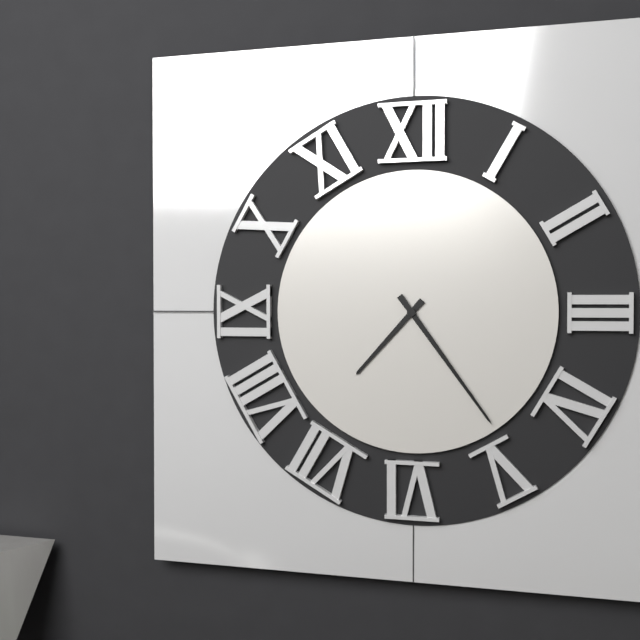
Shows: 7:24
